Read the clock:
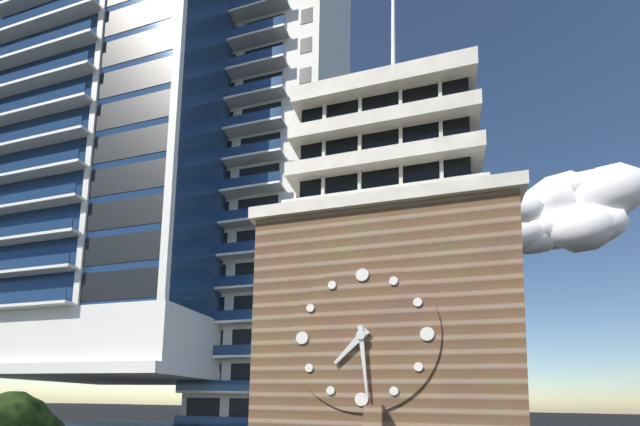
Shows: 7:29
